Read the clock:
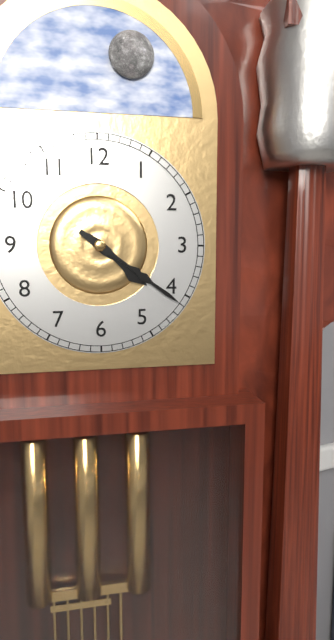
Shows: 4:21
